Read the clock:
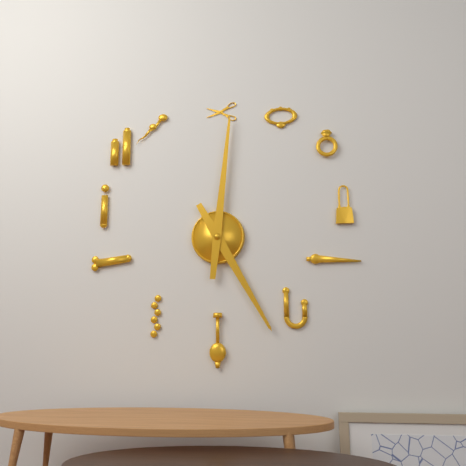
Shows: 5:01
